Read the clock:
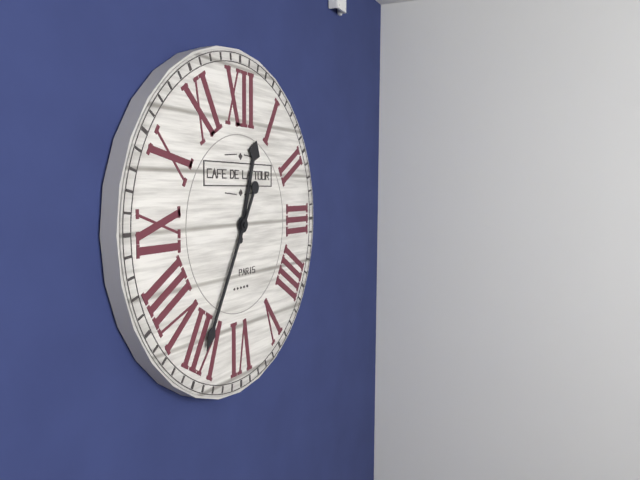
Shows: 12:35
